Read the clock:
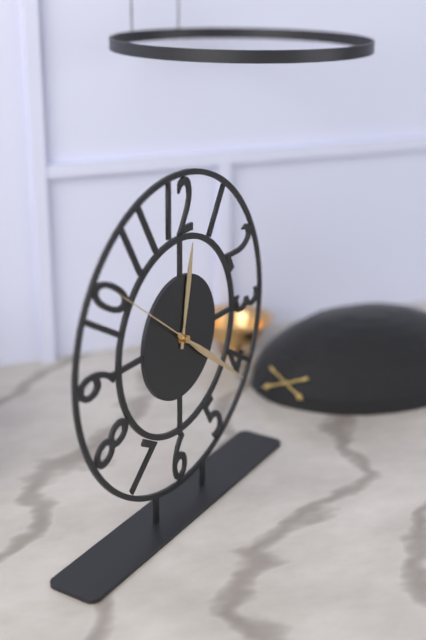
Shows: 12:21:51
